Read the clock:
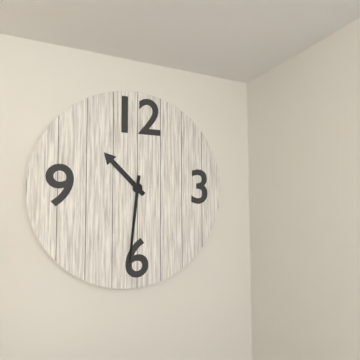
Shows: 10:31
